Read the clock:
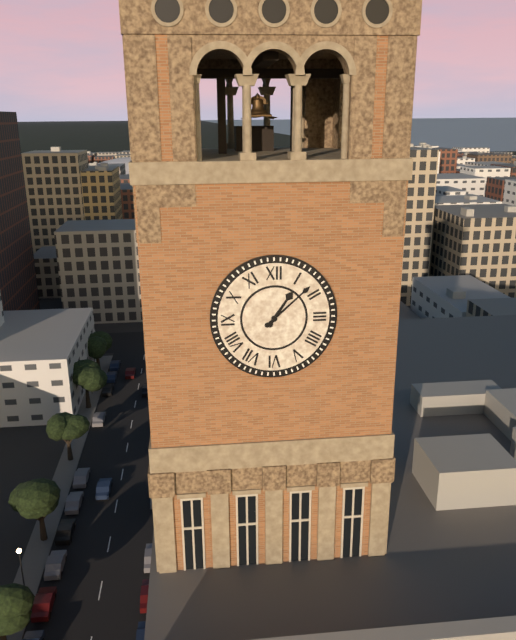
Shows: 1:08
